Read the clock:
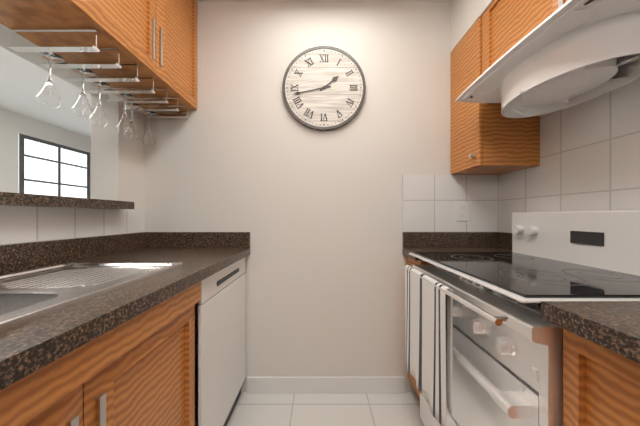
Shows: 1:43
